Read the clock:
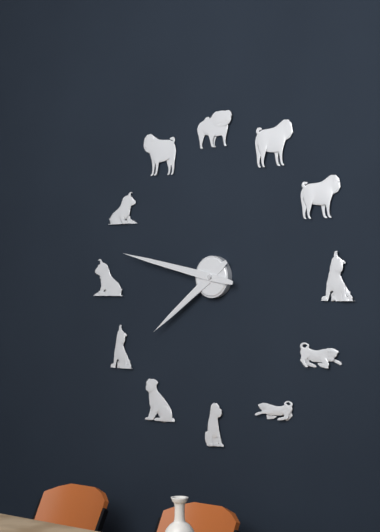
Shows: 7:47
